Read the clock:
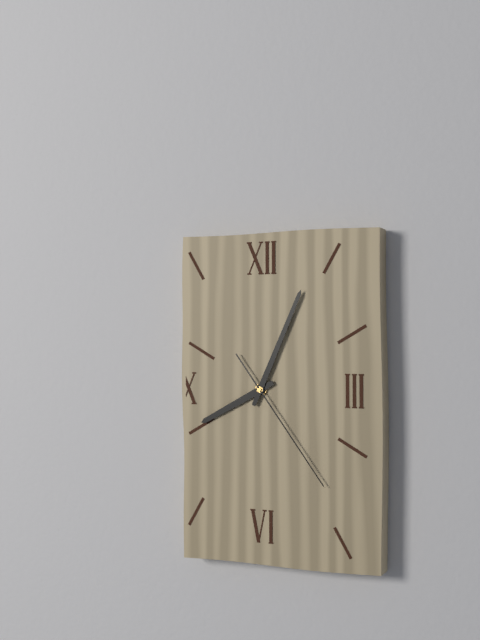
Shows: 8:04:24
